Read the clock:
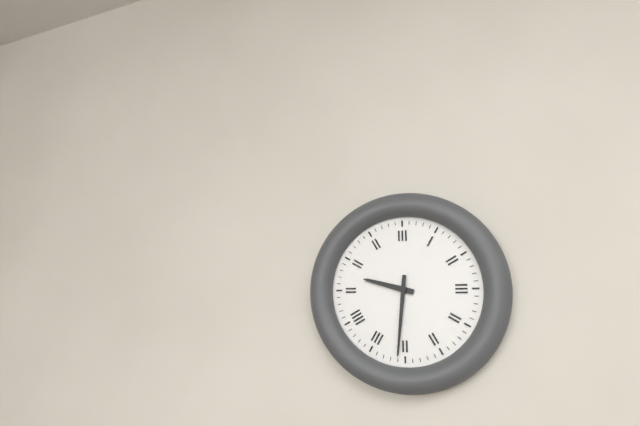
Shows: 9:31
